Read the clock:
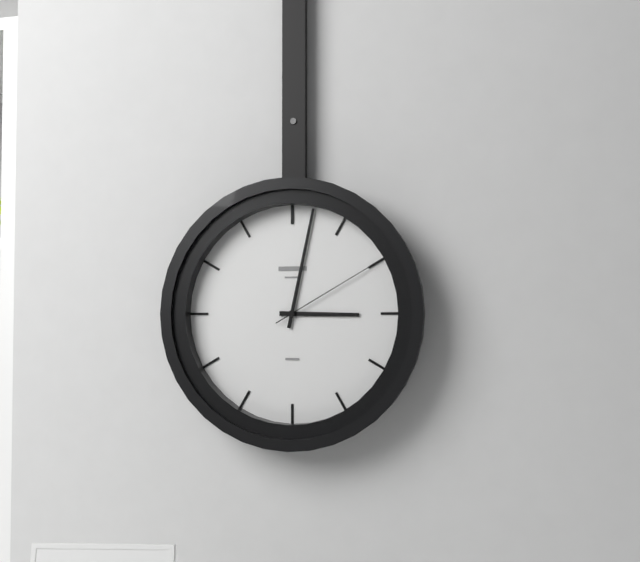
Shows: 3:02:10
